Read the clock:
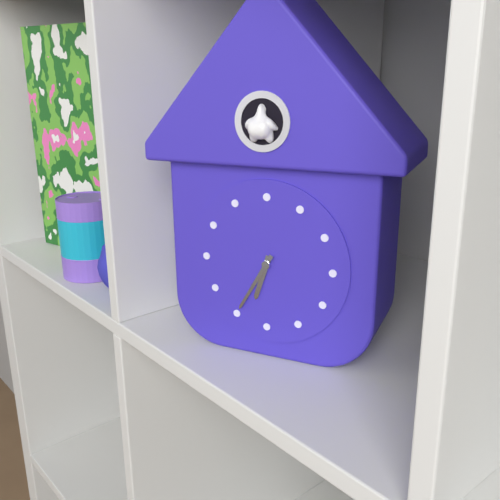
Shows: 6:35
